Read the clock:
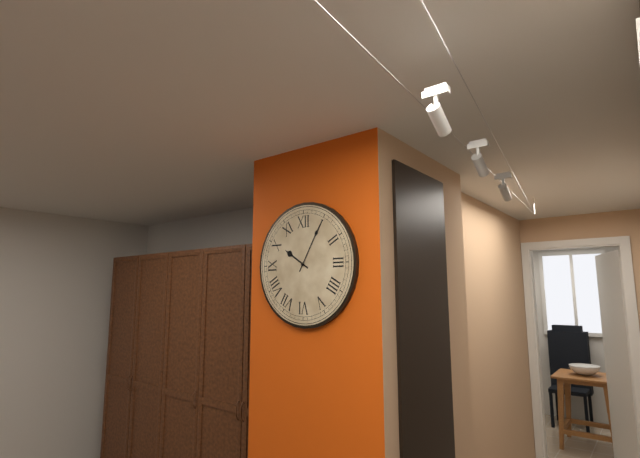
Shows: 10:05
